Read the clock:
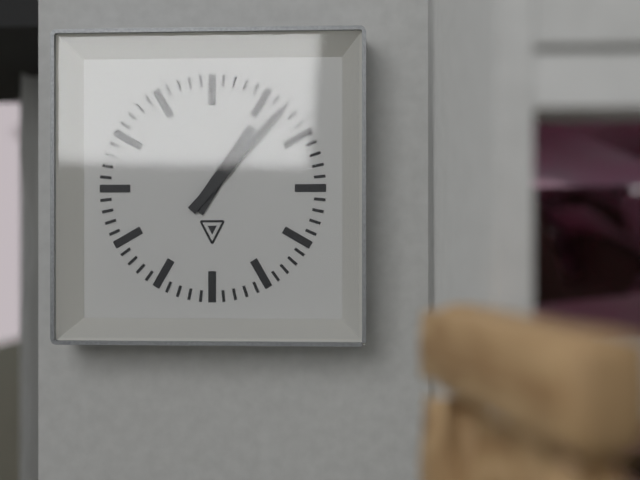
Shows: 1:07
